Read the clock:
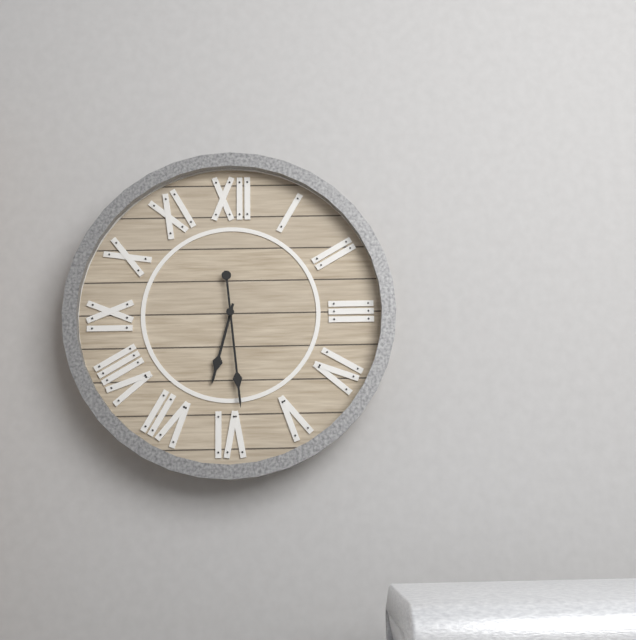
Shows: 6:29
